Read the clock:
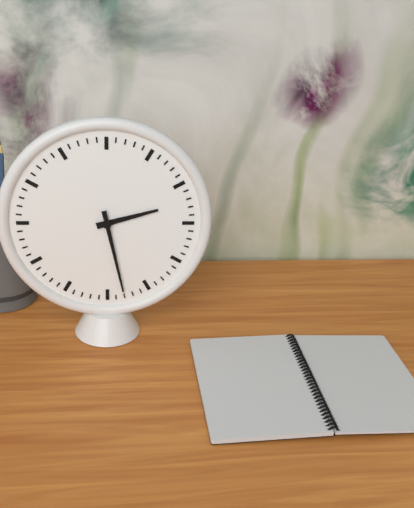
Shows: 2:28
